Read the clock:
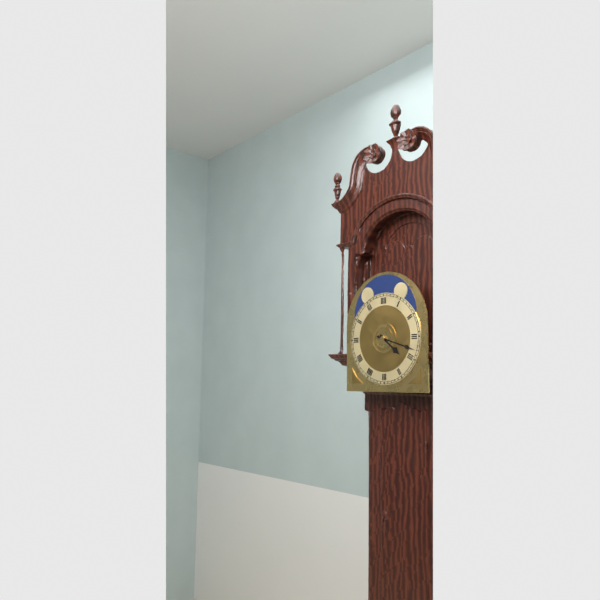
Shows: 4:18
